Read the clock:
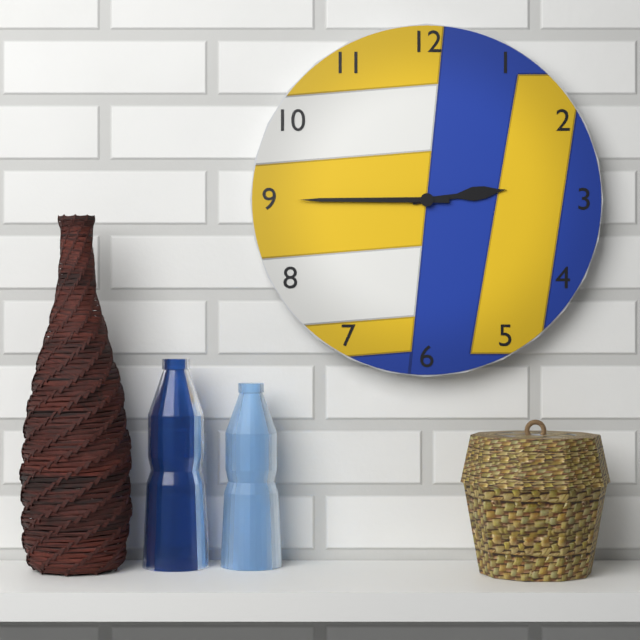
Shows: 2:45
